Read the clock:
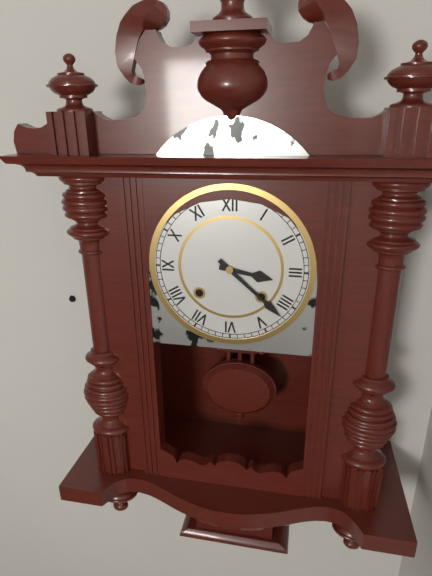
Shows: 3:22
